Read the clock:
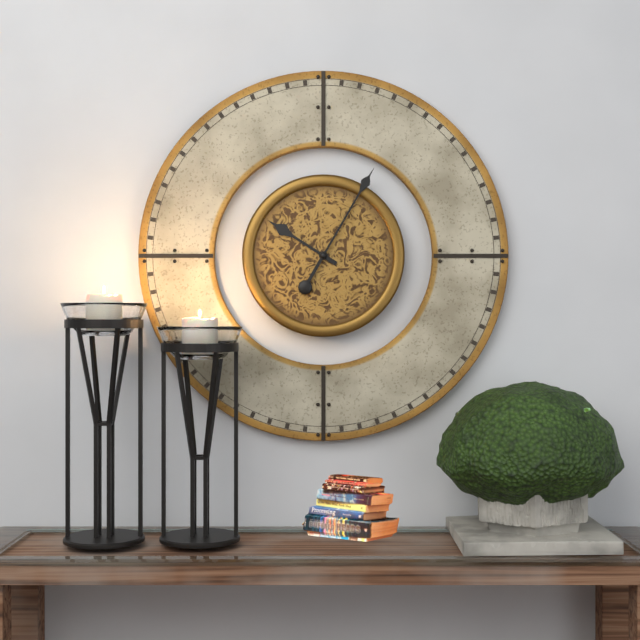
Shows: 10:05
